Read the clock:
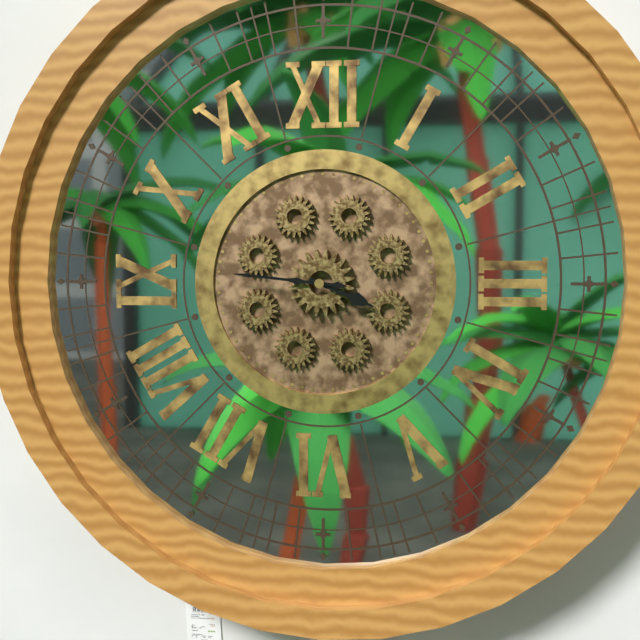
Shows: 3:46
